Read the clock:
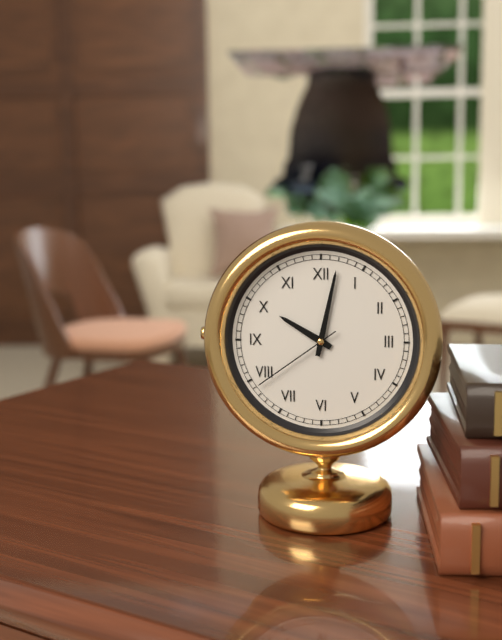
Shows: 10:02:39
